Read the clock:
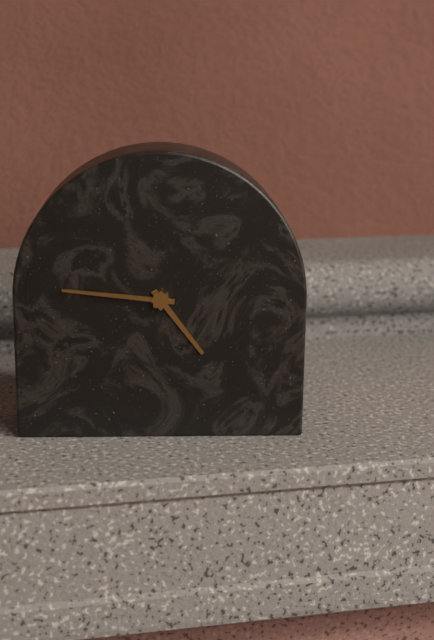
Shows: 4:46
